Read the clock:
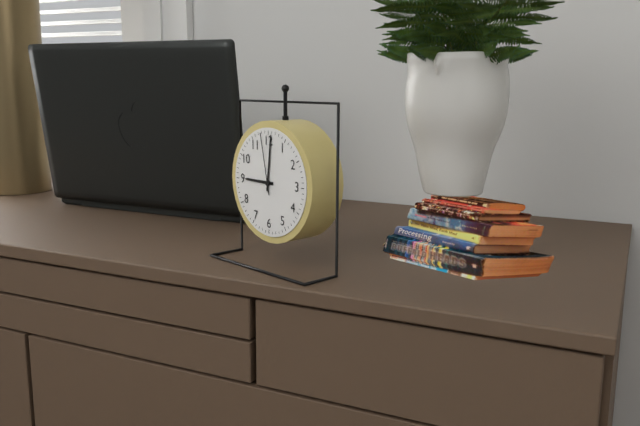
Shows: 9:01:58
